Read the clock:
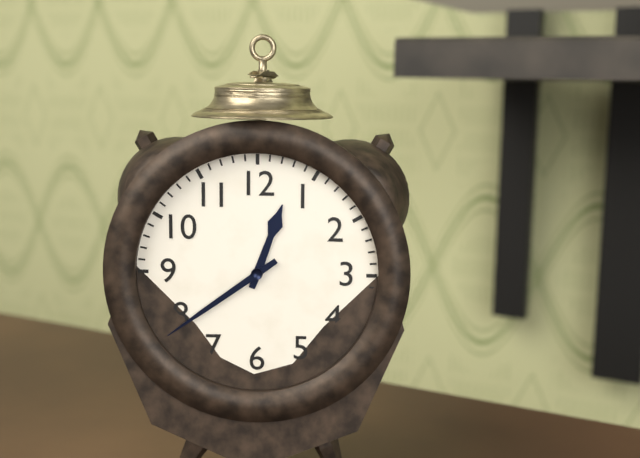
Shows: 12:39
